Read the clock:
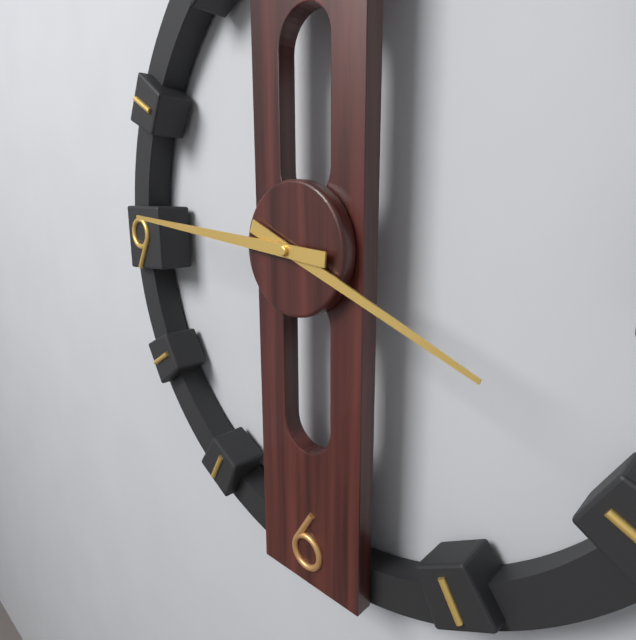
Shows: 3:46
